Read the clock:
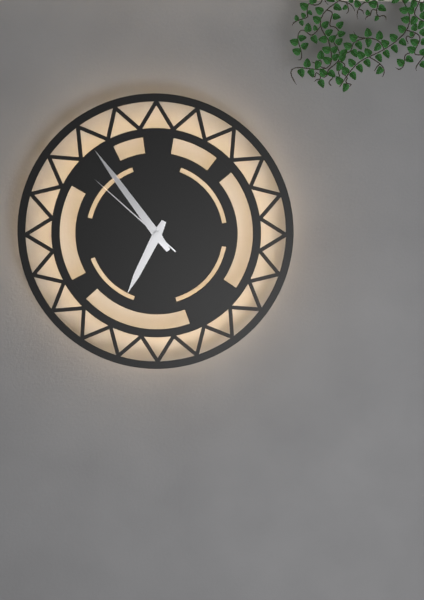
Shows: 6:54:52
